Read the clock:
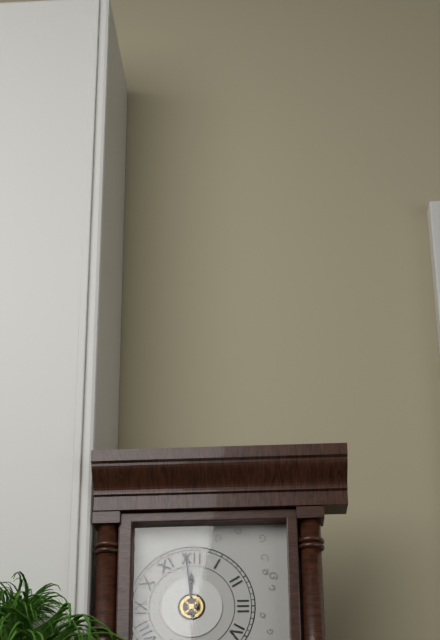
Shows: 11:59
